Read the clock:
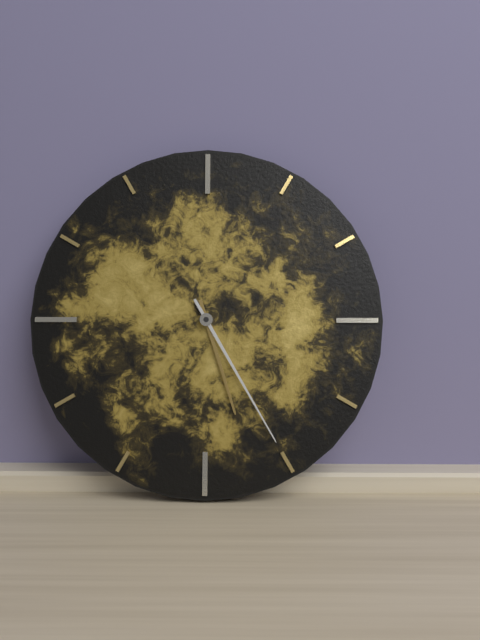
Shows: 5:25
